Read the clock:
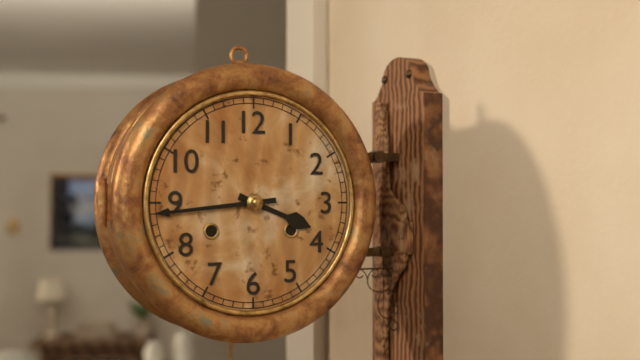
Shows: 3:44
